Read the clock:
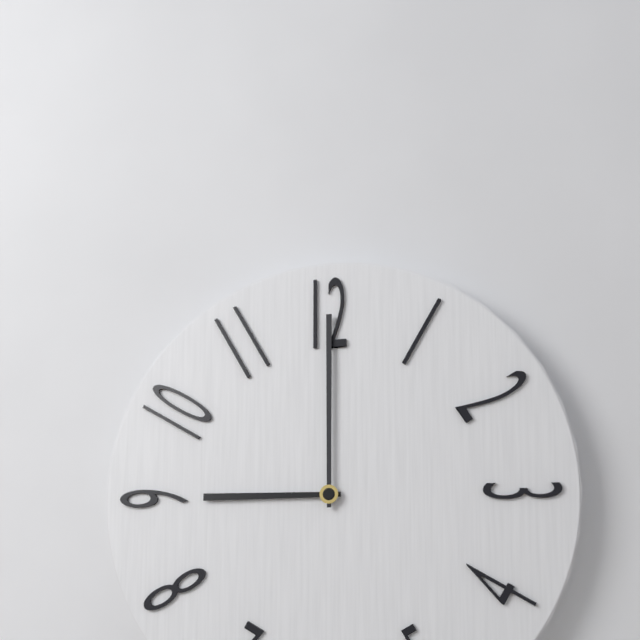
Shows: 9:00
